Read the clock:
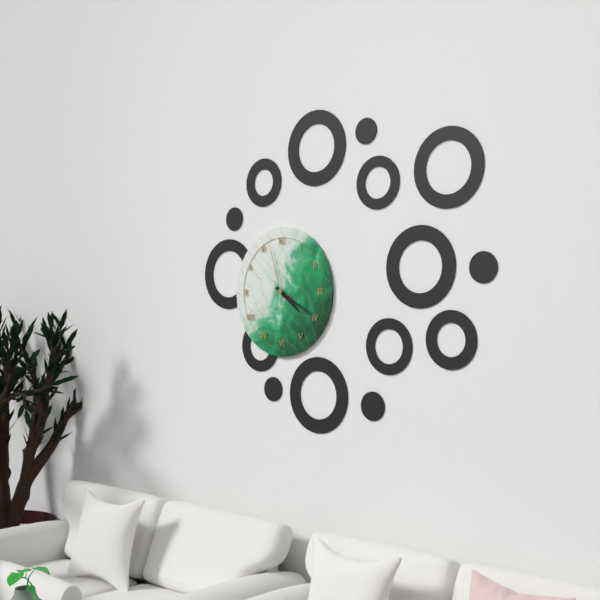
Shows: 4:20:57
